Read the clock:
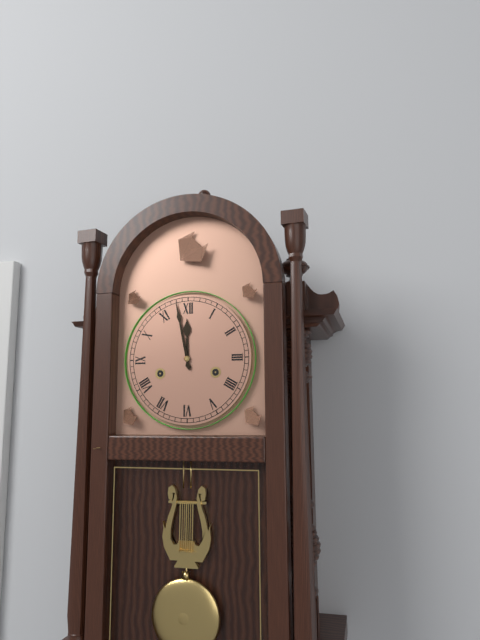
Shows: 11:58
